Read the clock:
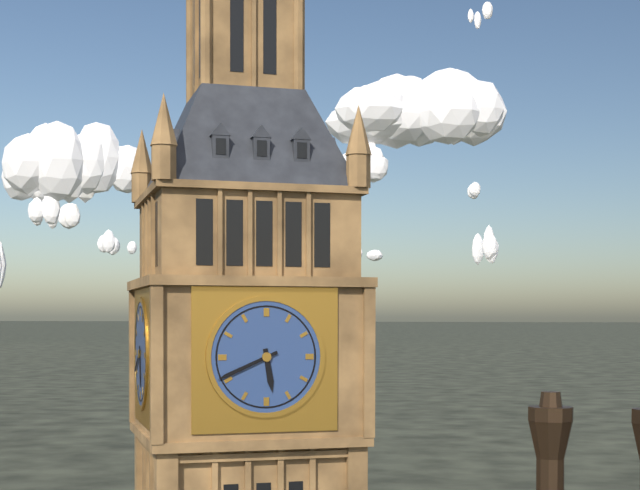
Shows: 5:41
